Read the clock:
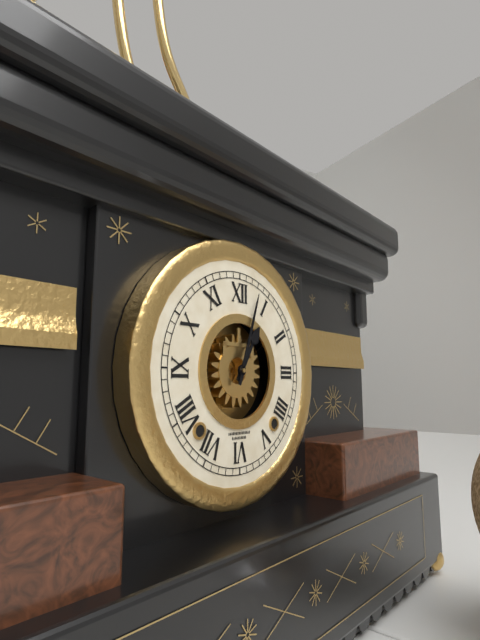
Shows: 1:03
